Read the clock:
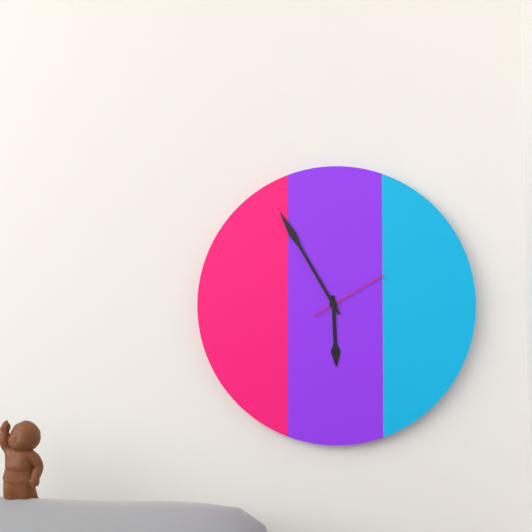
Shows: 5:55:10
